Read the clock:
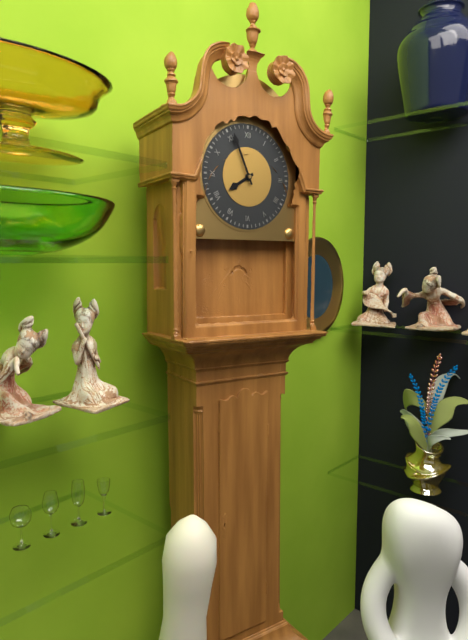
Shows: 7:56
